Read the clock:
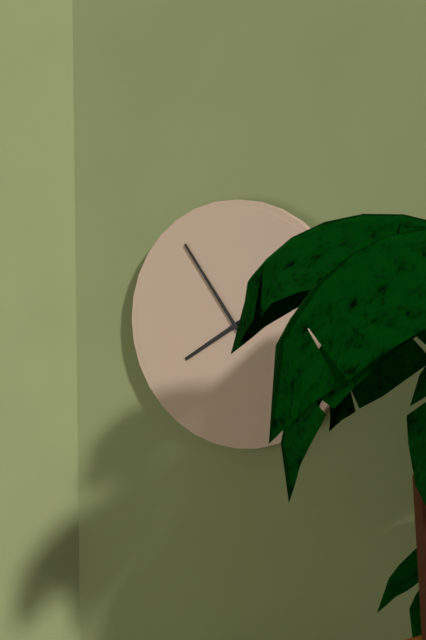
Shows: 7:54
